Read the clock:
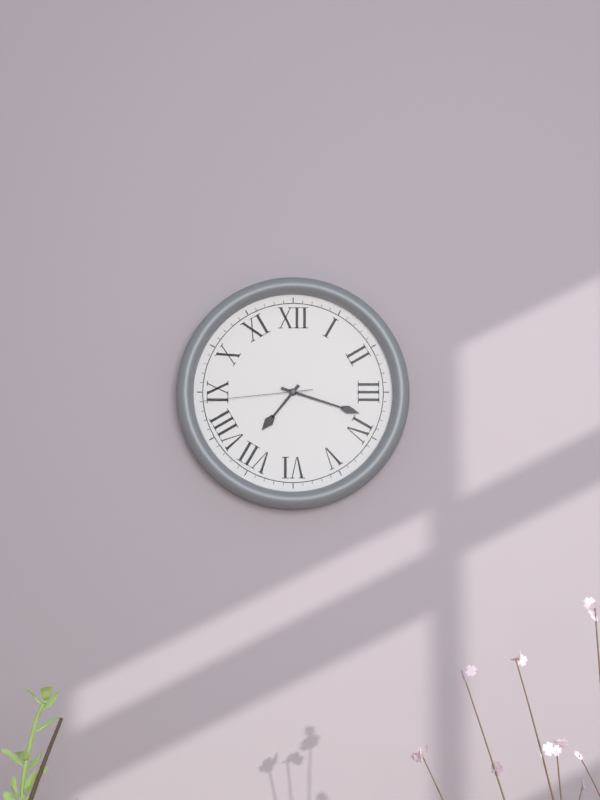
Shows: 7:18:44
